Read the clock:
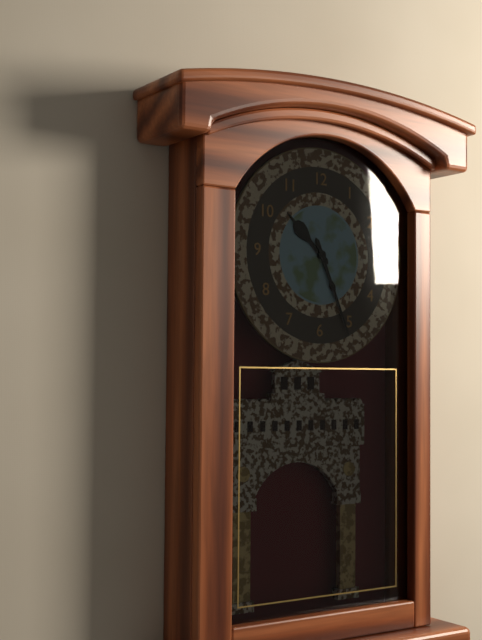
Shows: 10:26
